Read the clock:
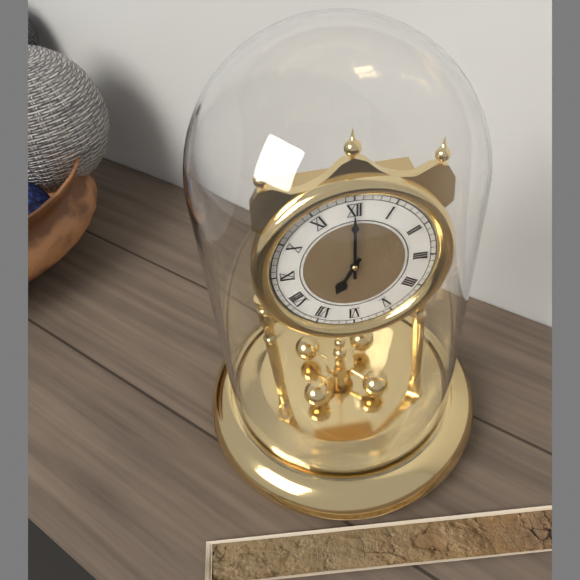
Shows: 7:00
